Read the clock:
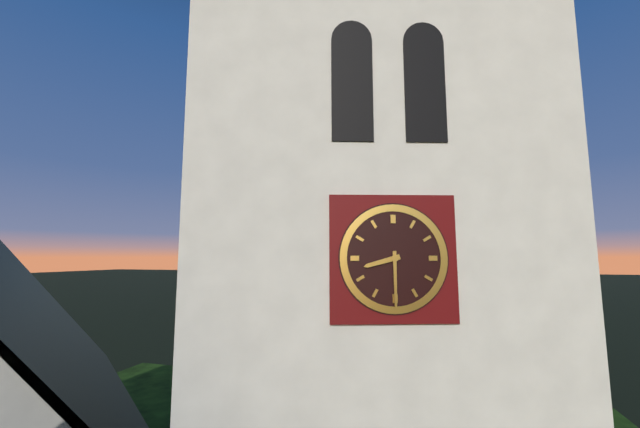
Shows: 8:30
